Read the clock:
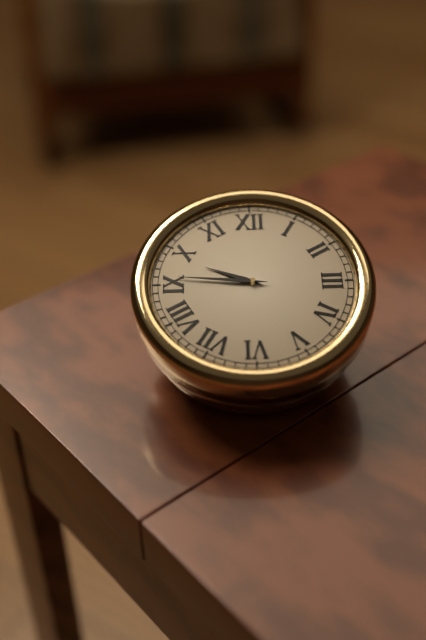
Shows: 9:46
